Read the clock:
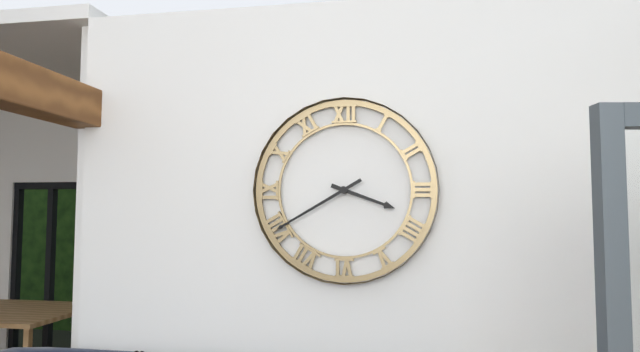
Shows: 3:40
